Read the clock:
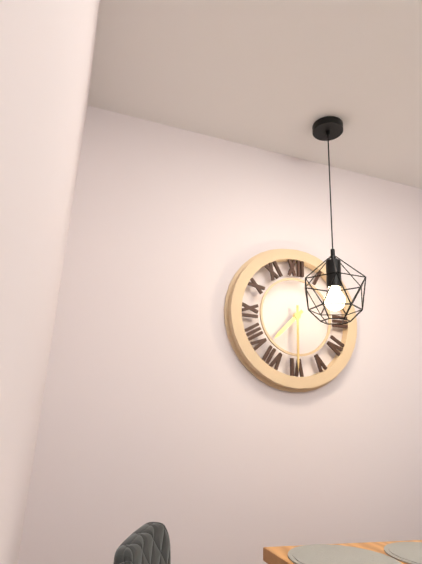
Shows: 7:30
